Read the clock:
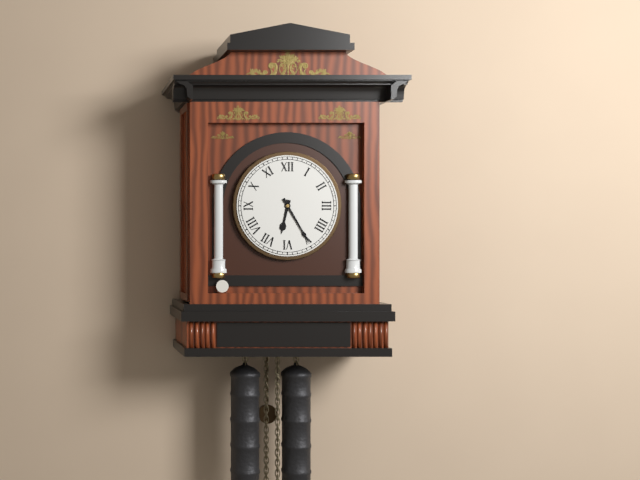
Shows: 6:25
